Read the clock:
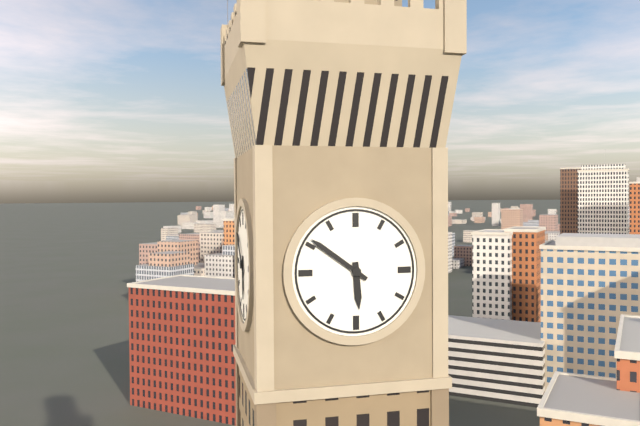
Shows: 5:51
